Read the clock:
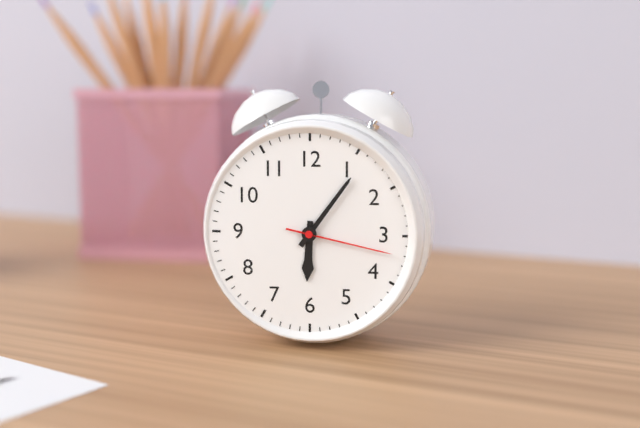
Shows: 6:06:17
